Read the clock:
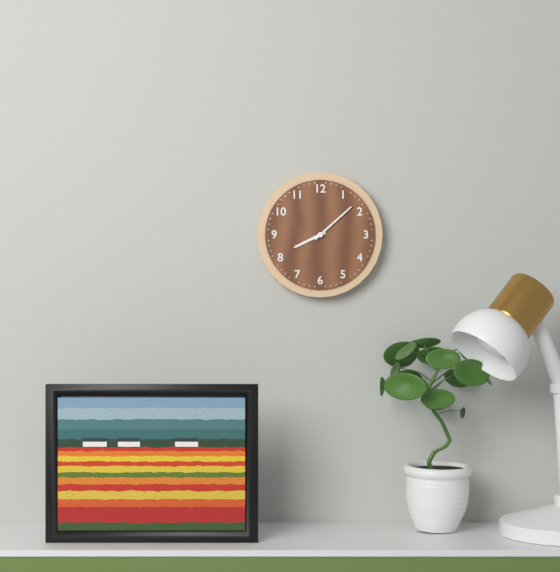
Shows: 8:08
